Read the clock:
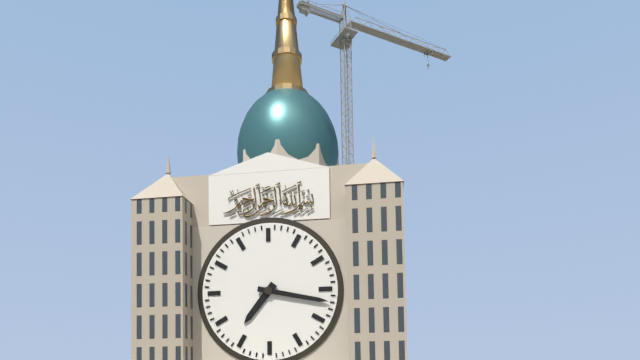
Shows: 7:17
